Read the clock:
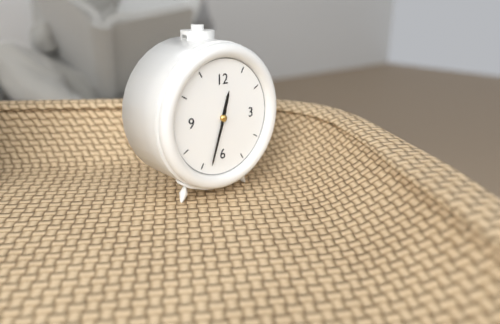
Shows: 12:33
